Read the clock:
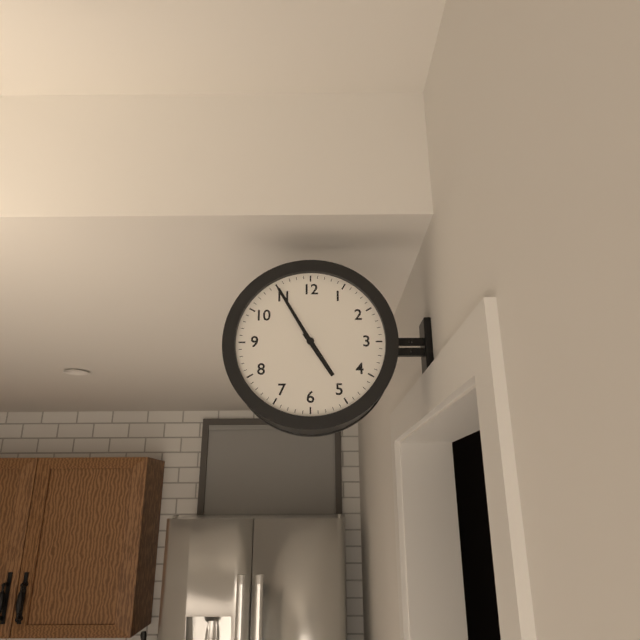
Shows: 4:55
